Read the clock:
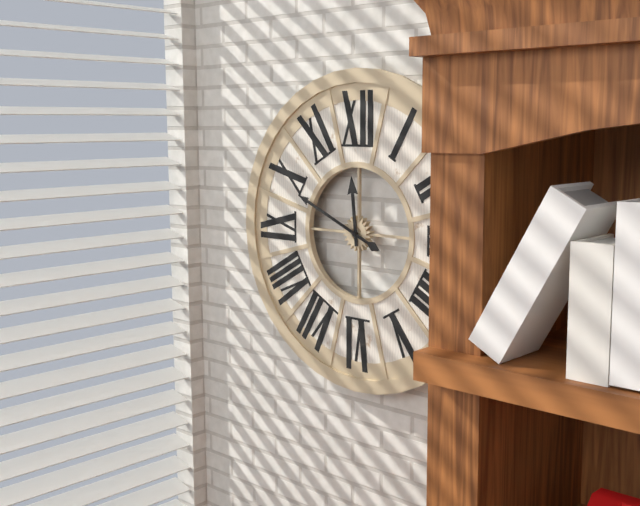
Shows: 11:49
